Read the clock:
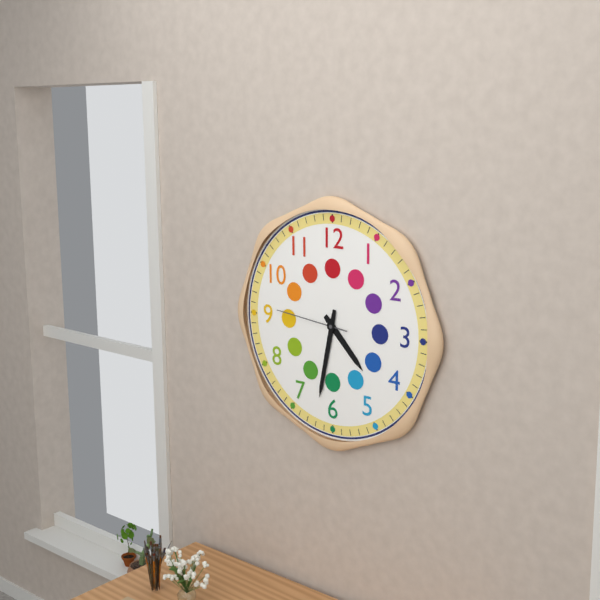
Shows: 4:32:46
